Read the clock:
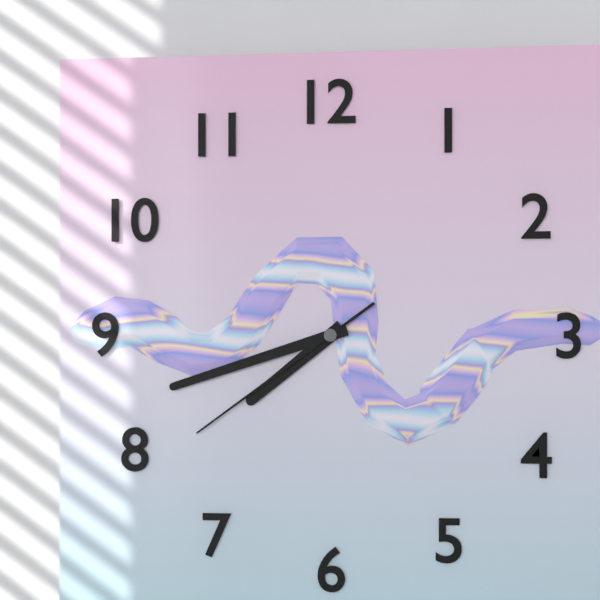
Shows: 7:42:39
